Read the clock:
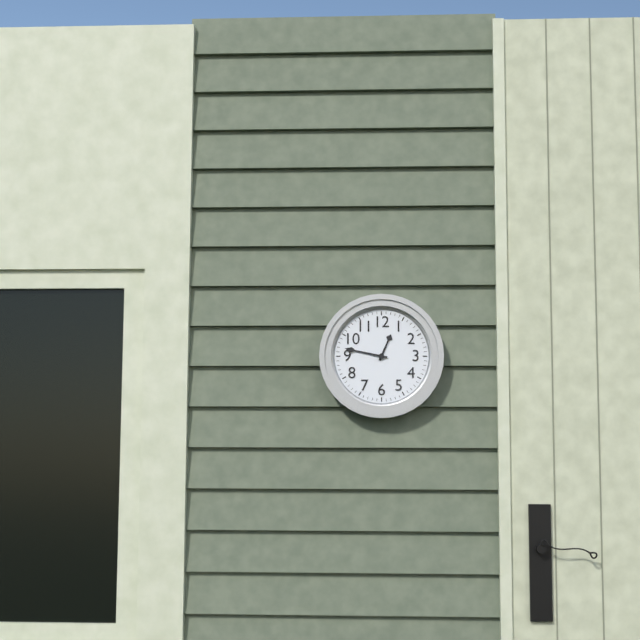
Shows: 12:47
